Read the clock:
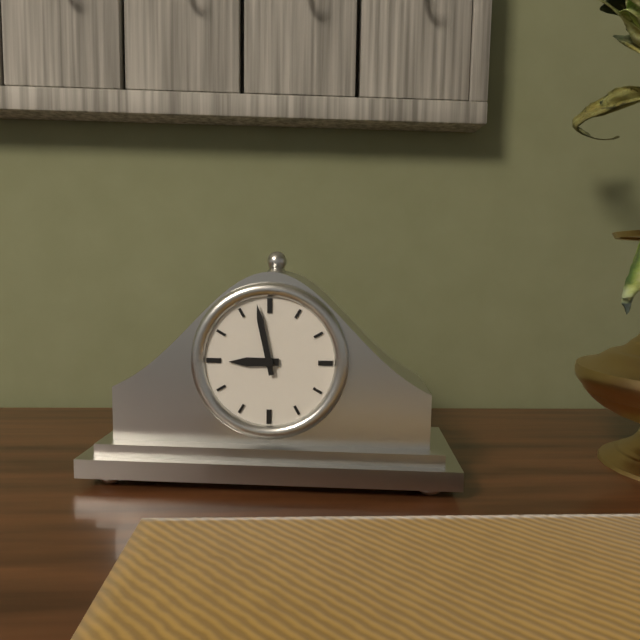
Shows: 8:58
